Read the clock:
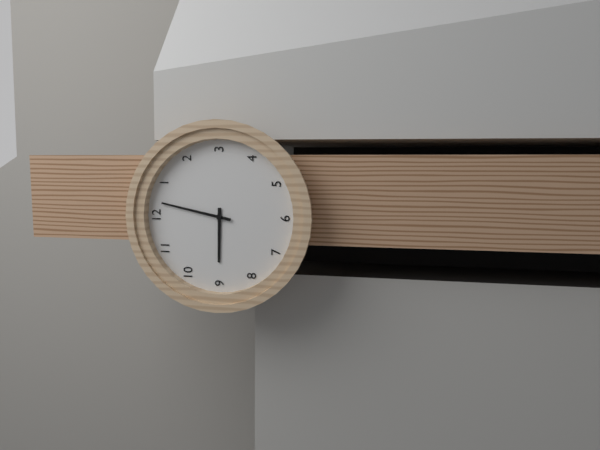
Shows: 9:02
